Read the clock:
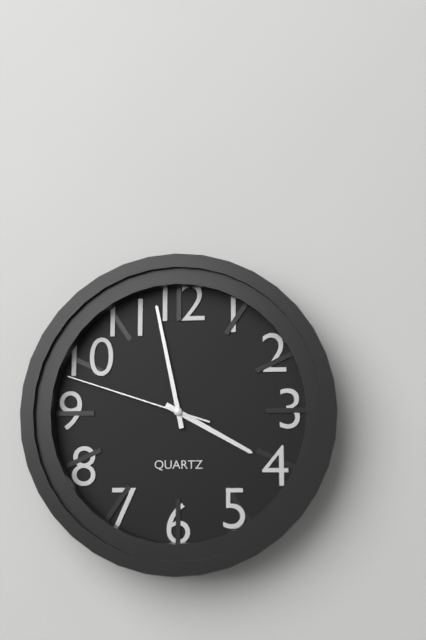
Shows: 3:58:48
